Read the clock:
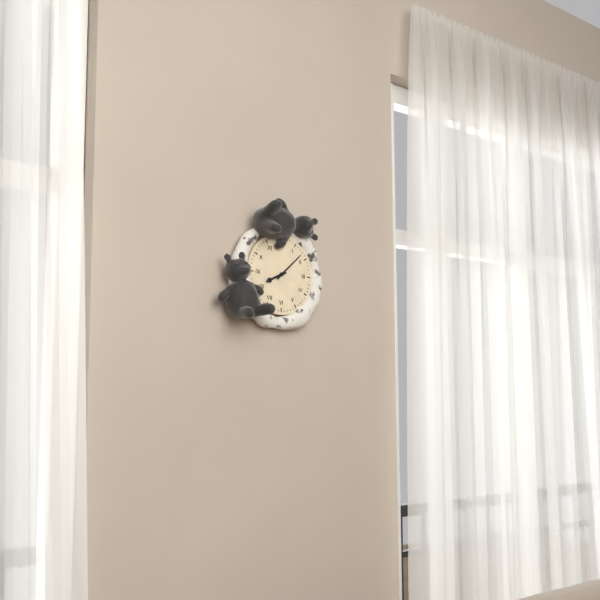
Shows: 8:08
